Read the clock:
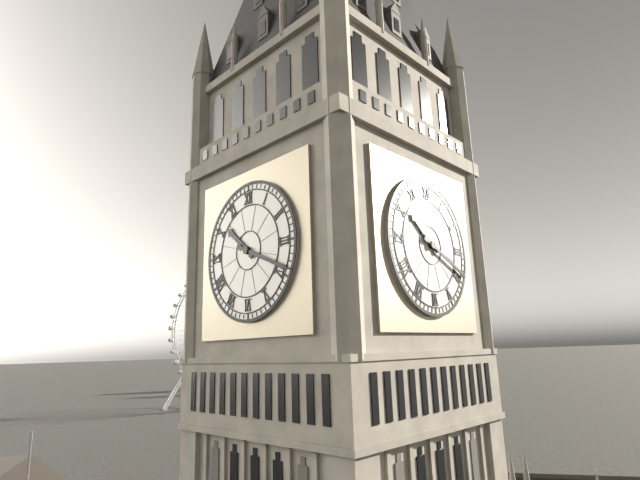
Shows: 10:19
